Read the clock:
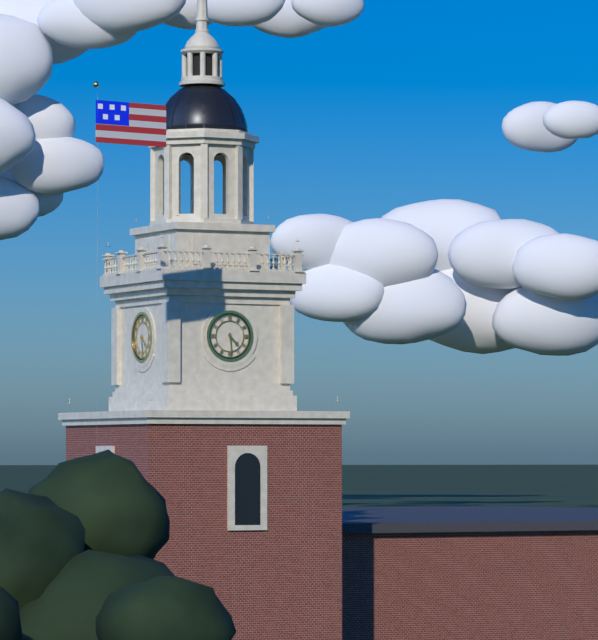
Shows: 4:29
